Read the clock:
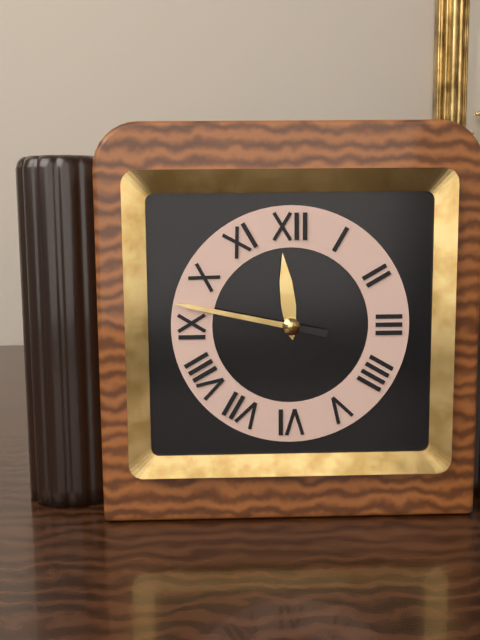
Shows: 11:47
